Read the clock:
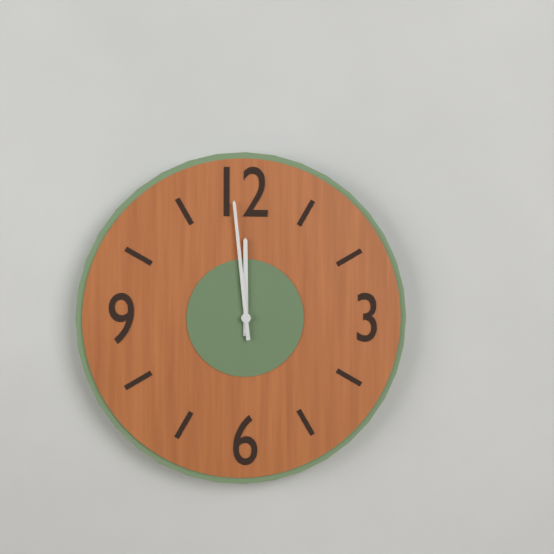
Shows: 11:59
